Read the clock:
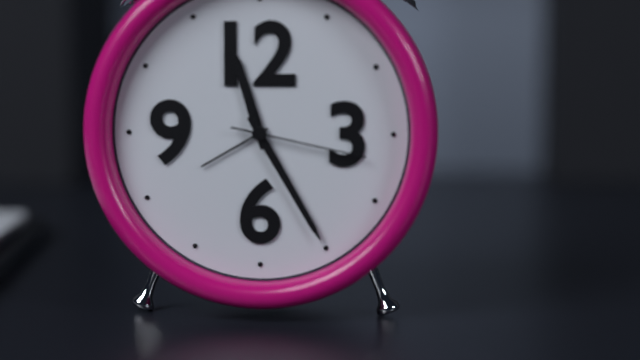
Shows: 11:25:17
